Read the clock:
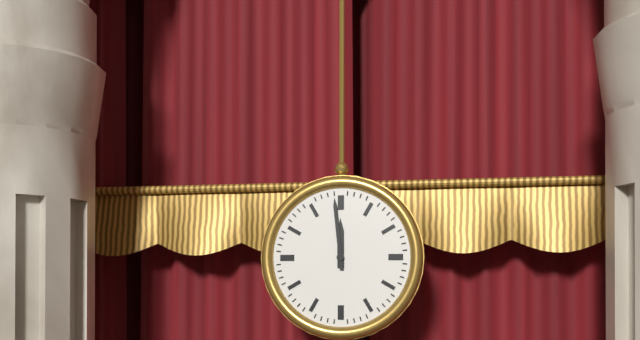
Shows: 11:59
